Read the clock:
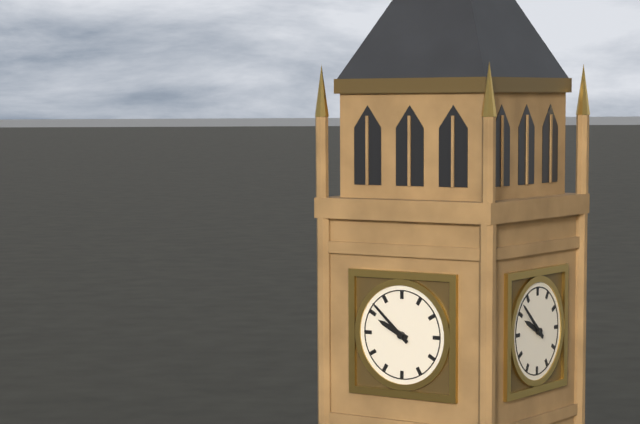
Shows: 9:52
